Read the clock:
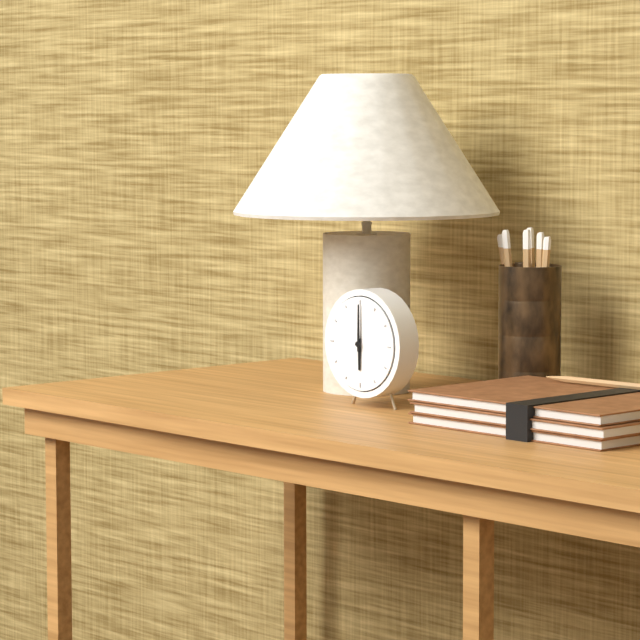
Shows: 6:00
